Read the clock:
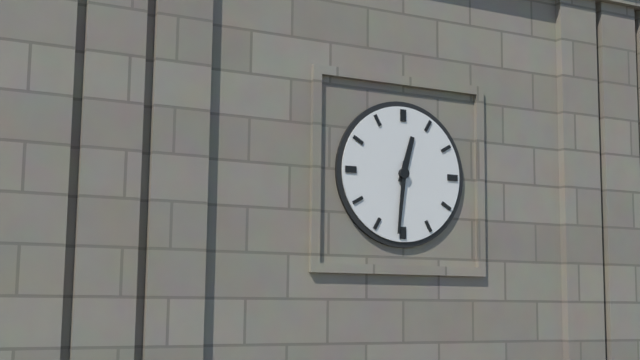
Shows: 12:31
